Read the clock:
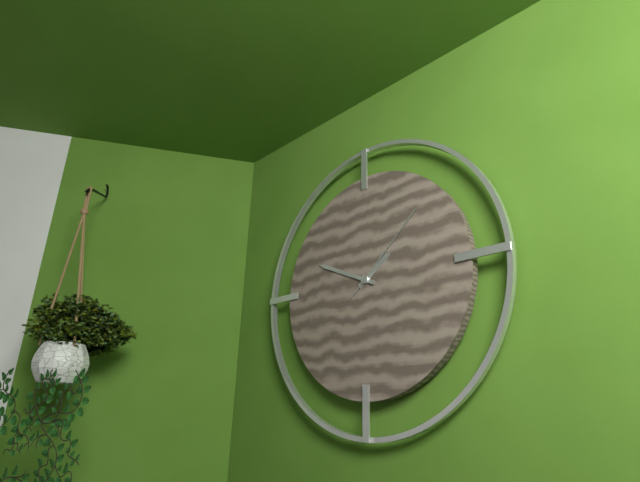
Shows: 1:49:08
